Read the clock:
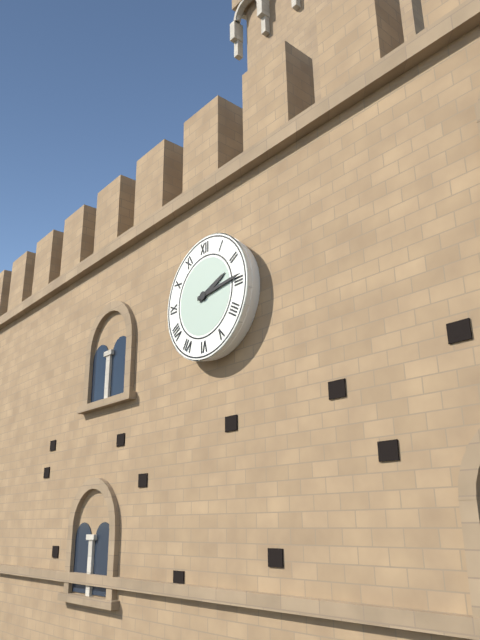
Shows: 2:14
